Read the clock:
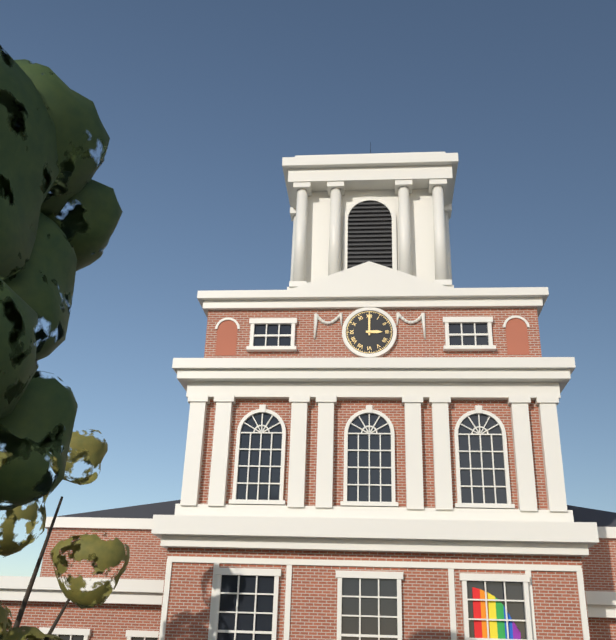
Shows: 3:00
